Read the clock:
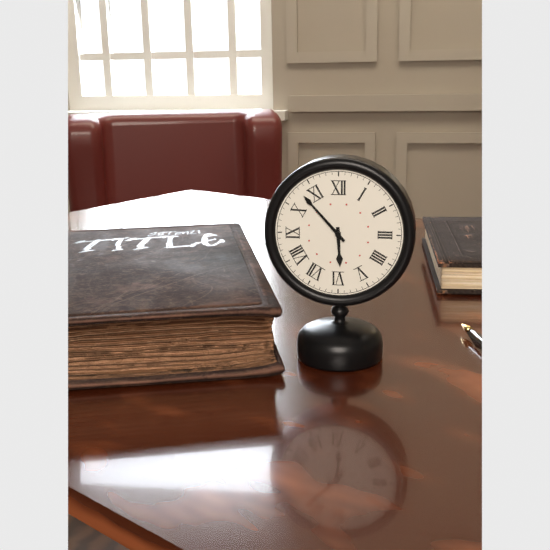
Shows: 5:53
